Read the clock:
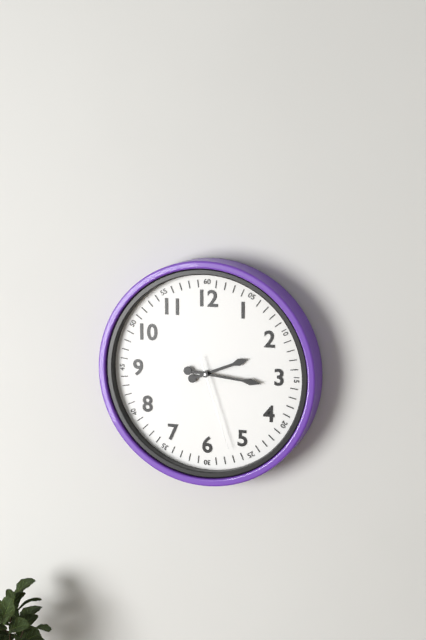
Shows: 2:16:27
